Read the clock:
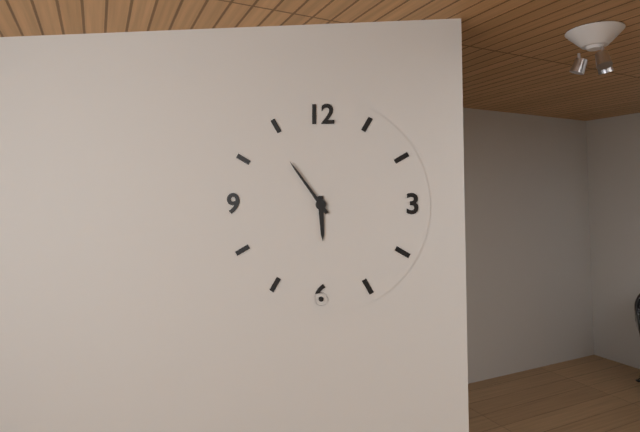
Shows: 5:54
